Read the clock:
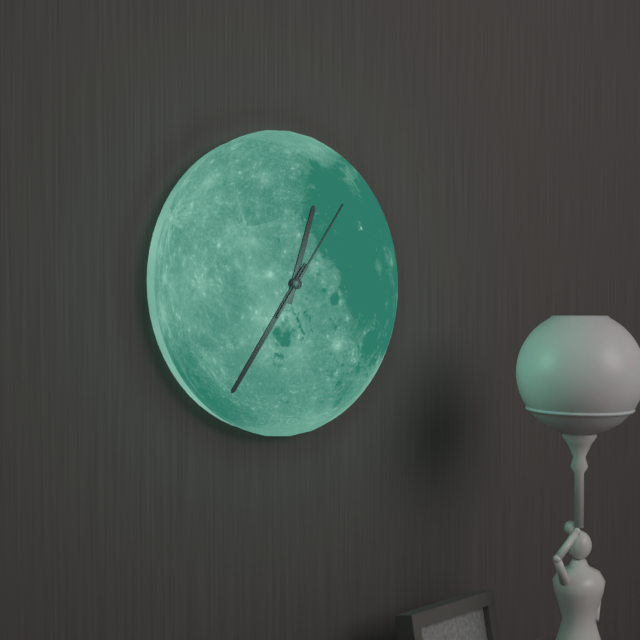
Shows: 12:36:06
